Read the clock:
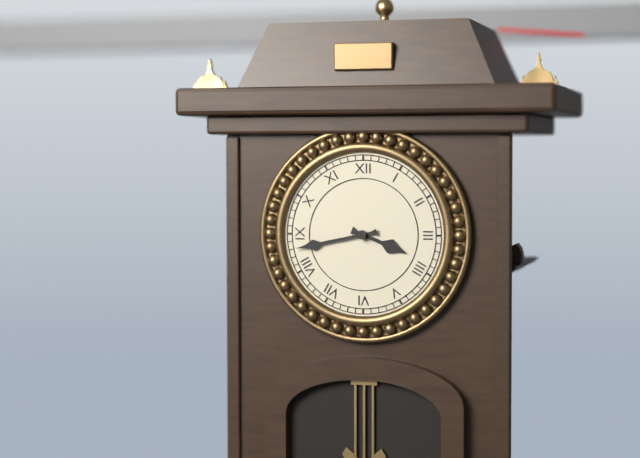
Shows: 3:43
